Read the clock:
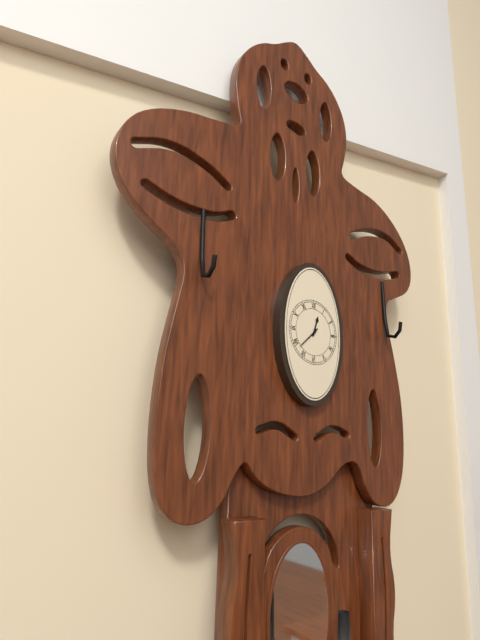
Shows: 12:38
